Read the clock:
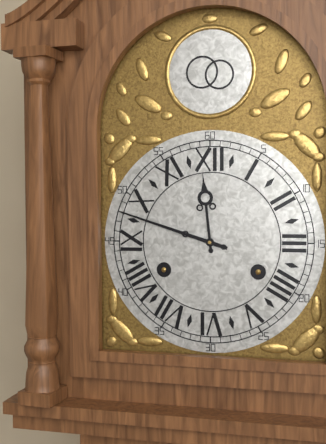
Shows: 11:48
